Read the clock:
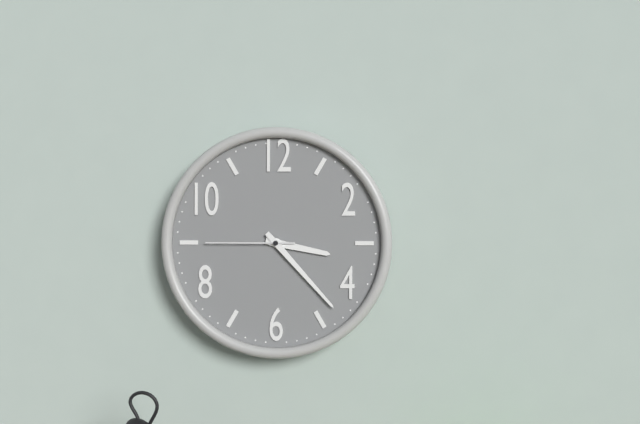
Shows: 3:23:45
